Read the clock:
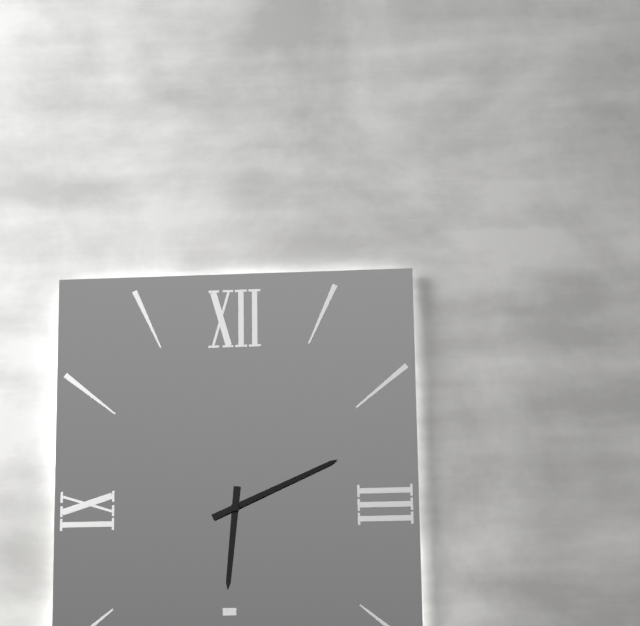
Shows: 6:11
